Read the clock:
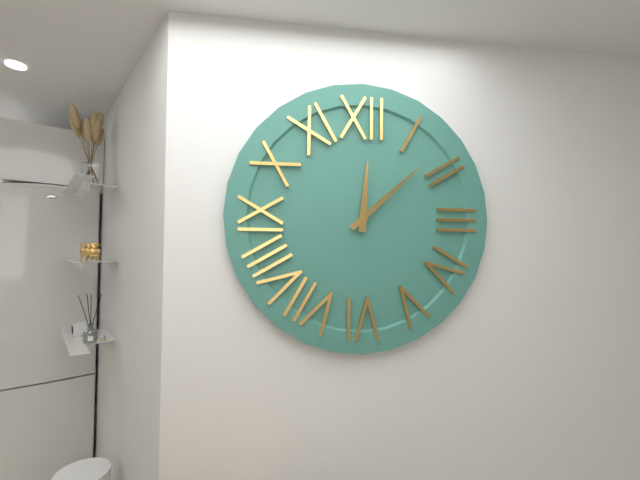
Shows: 12:08
